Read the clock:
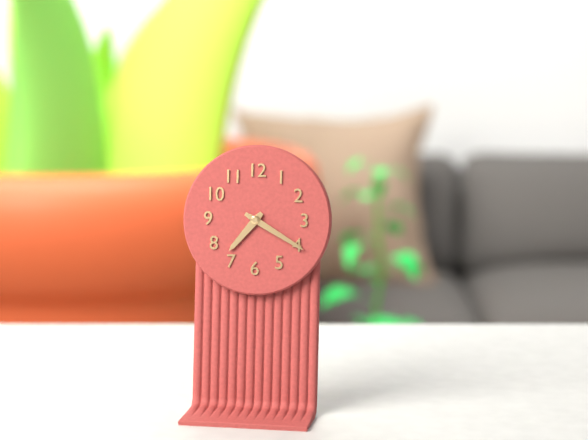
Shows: 7:20
